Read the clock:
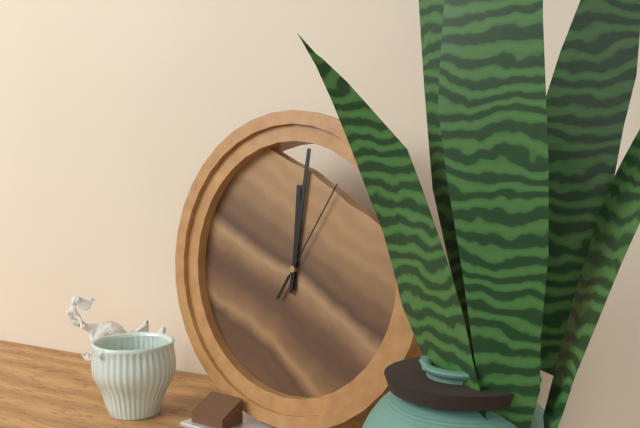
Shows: 12:01:05
